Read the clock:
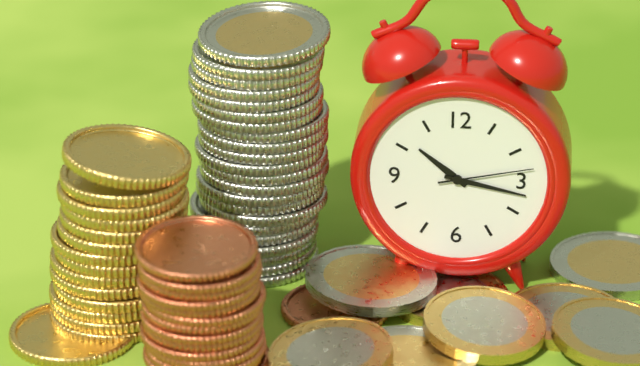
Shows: 10:17:13
